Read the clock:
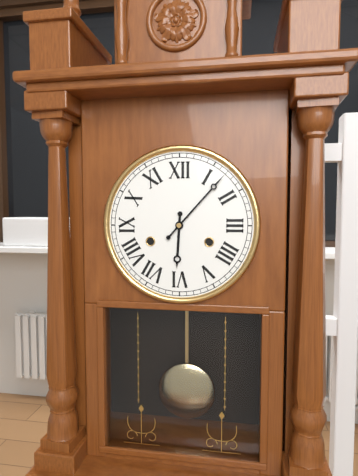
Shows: 6:07
